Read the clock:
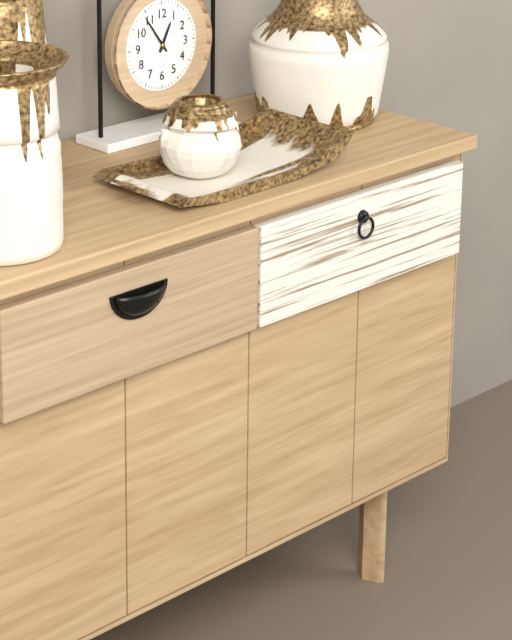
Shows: 12:54
